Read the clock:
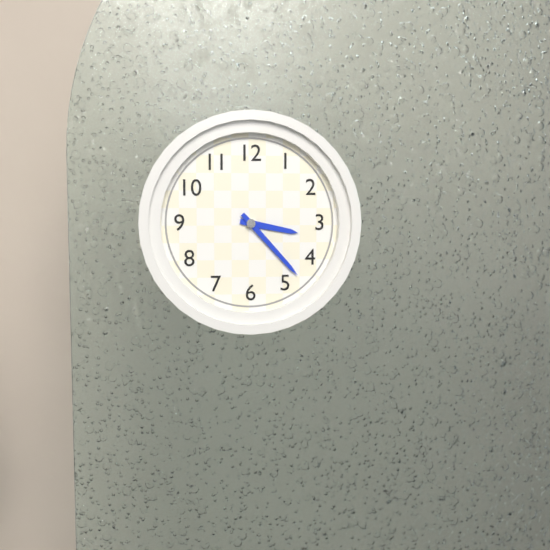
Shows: 3:23
